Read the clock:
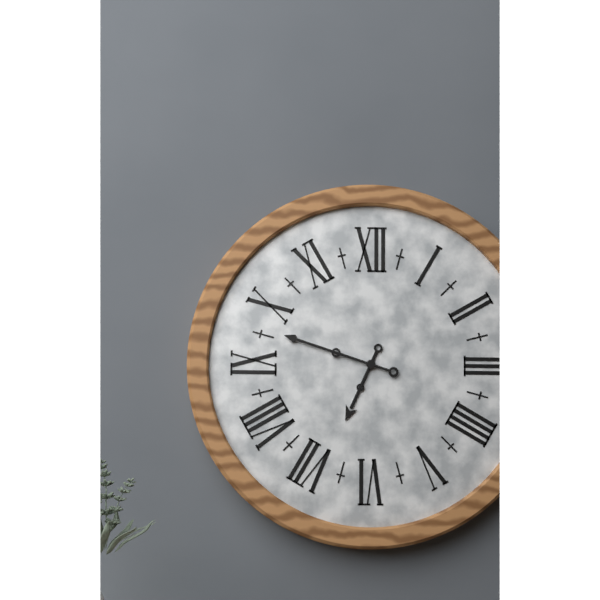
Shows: 6:48
